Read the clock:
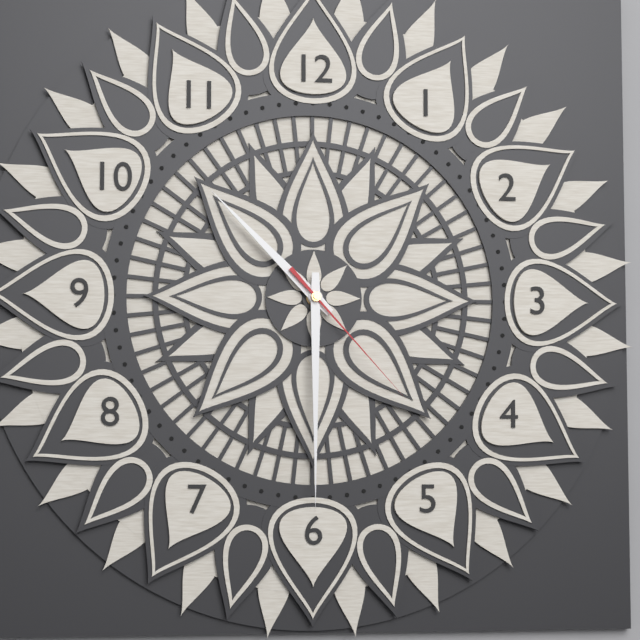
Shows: 10:30:23
